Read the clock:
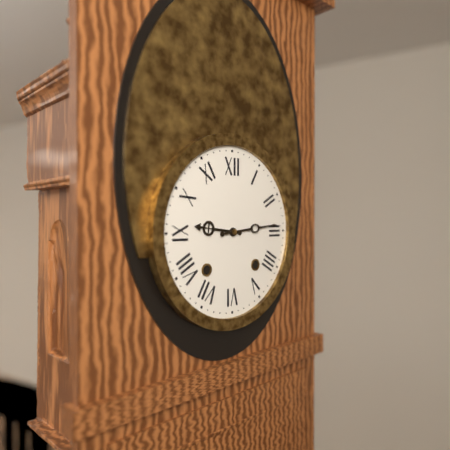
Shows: 9:14
